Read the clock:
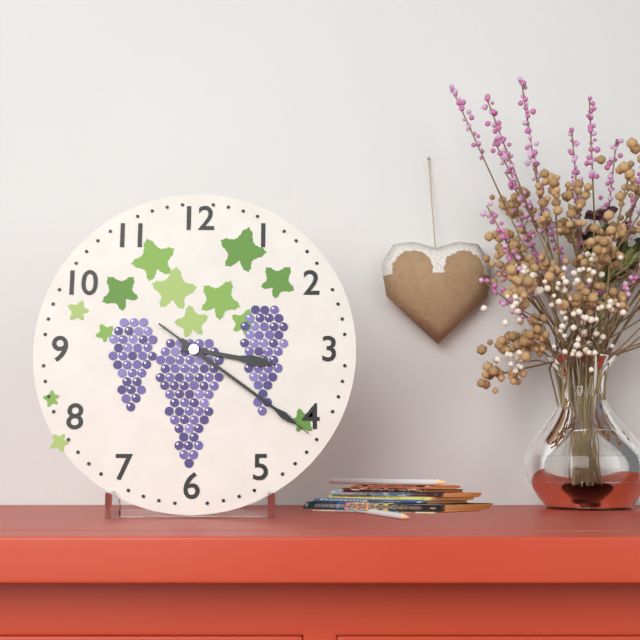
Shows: 3:21:21
